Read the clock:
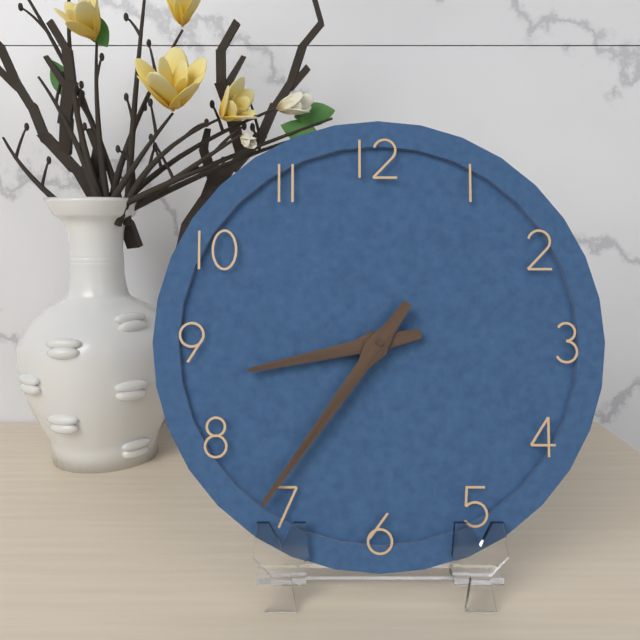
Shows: 8:36
